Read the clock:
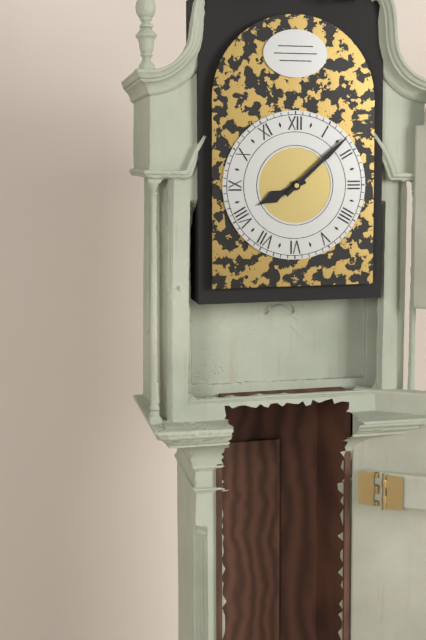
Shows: 8:08
